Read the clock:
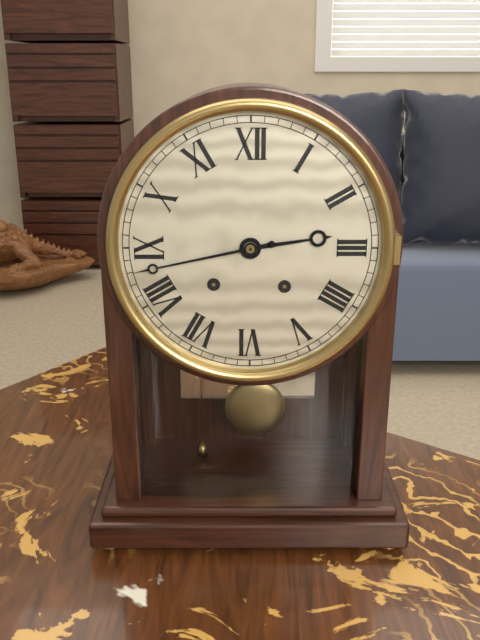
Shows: 2:43
